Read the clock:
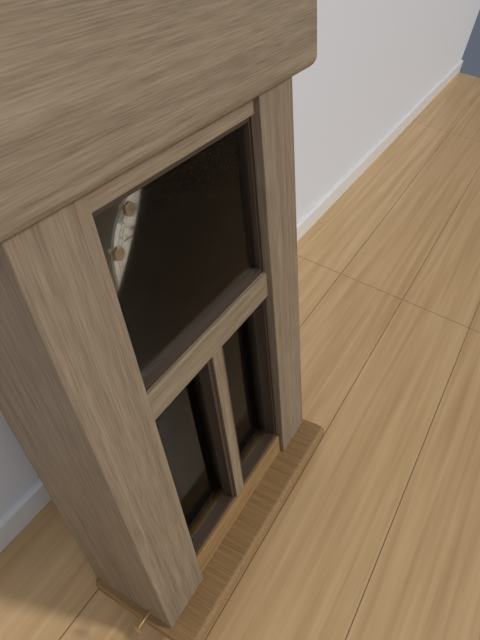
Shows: 12:52
